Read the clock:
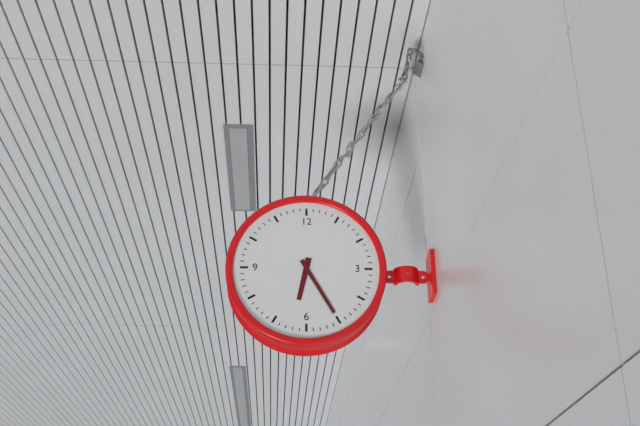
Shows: 6:25
